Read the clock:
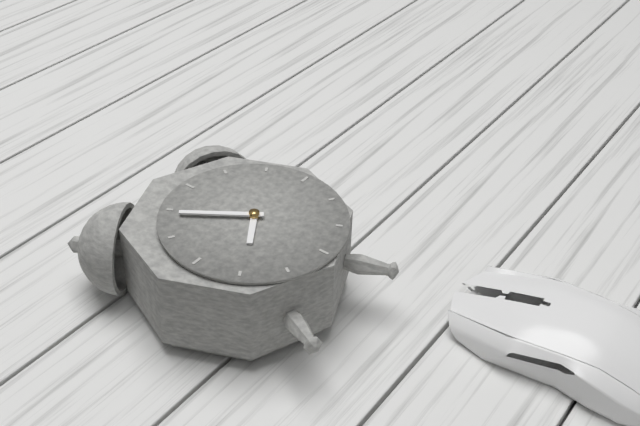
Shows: 7:54
